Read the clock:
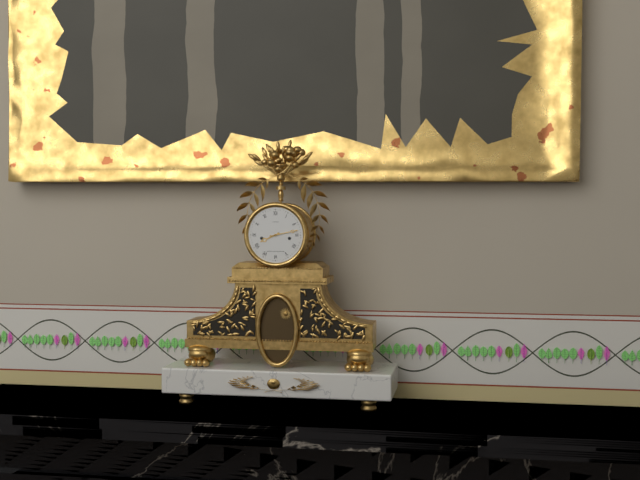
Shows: 8:13
